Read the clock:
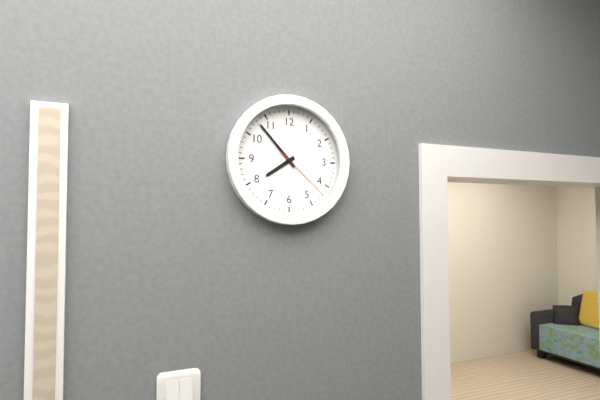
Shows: 7:53:22
